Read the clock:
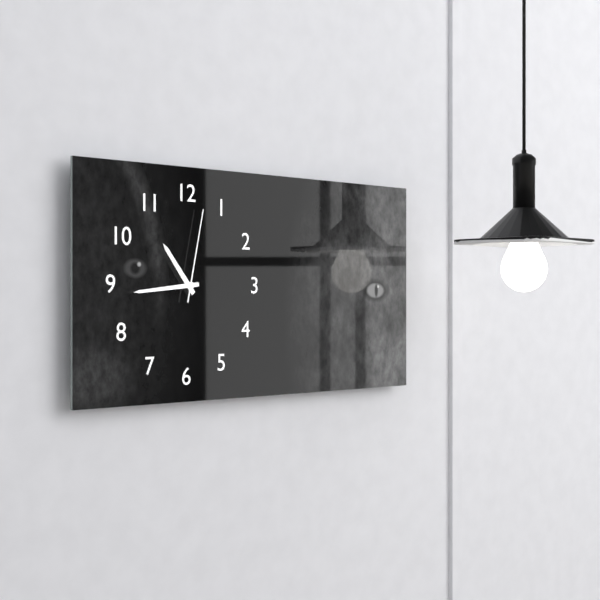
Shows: 10:44:02
